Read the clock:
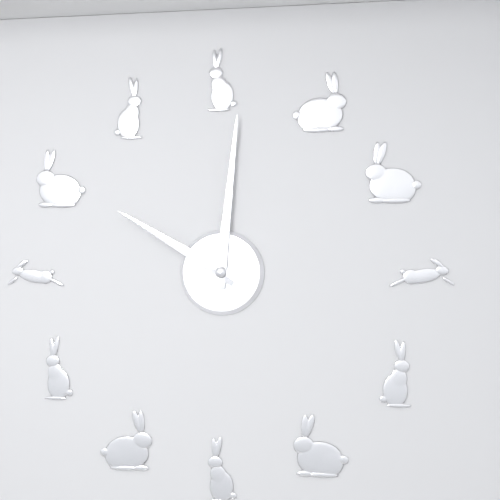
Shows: 10:01
